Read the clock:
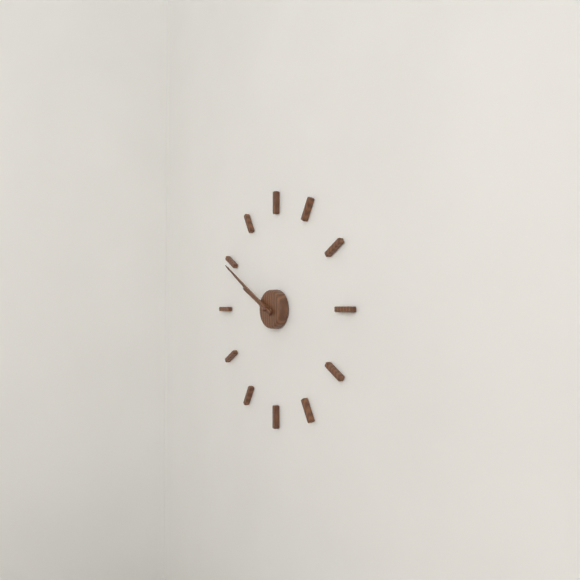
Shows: 9:50
